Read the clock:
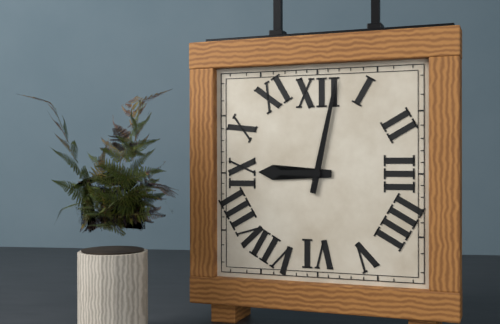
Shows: 9:02
